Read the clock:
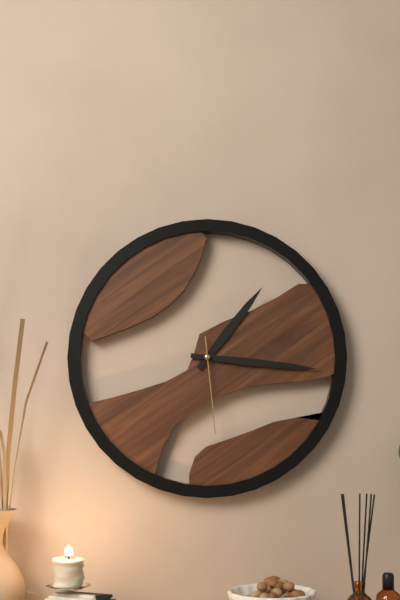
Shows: 1:16:29
